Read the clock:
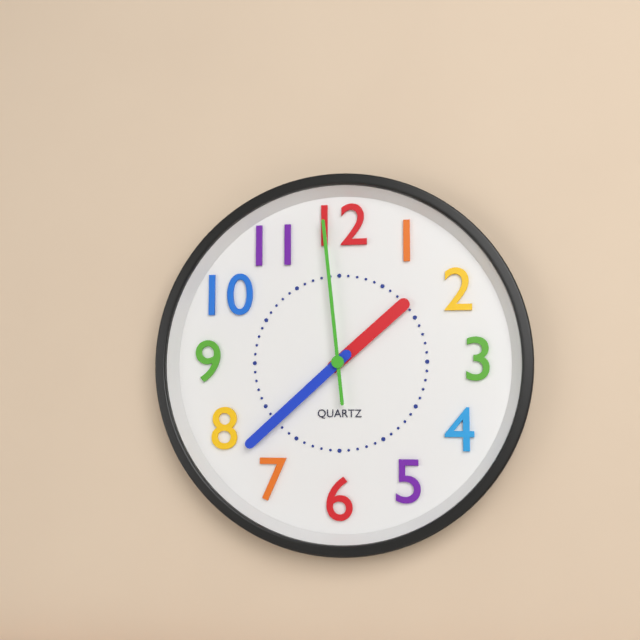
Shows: 1:38:59
